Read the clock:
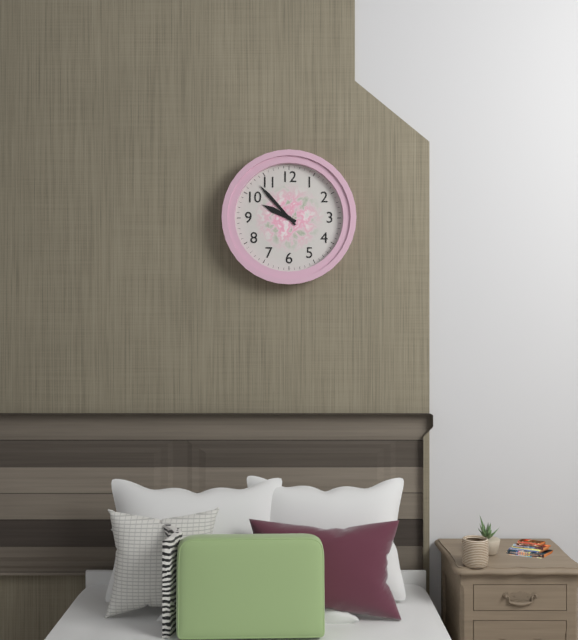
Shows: 9:53
